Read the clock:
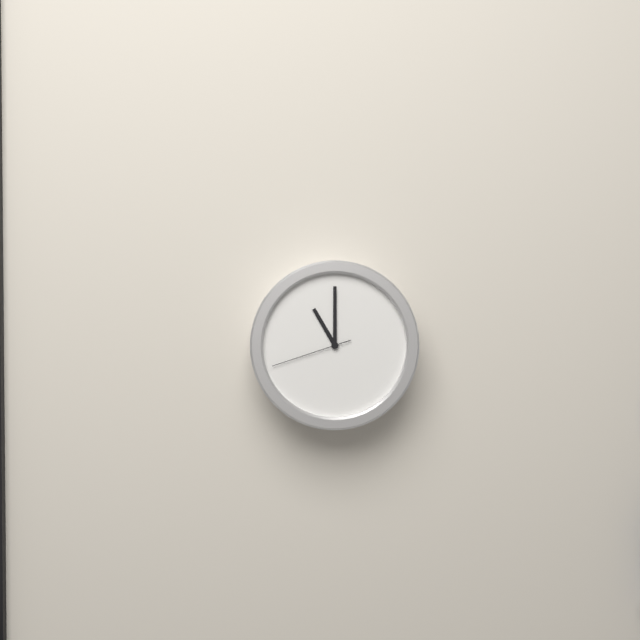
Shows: 11:00:42
